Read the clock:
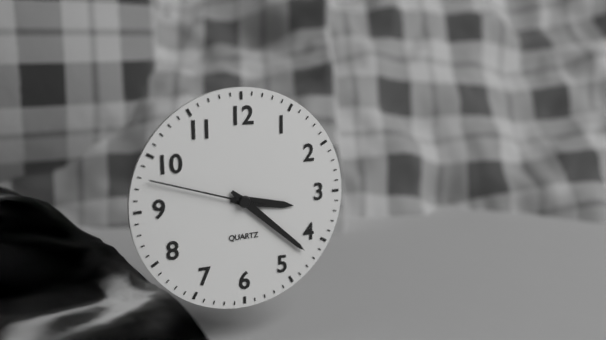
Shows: 3:22:48
